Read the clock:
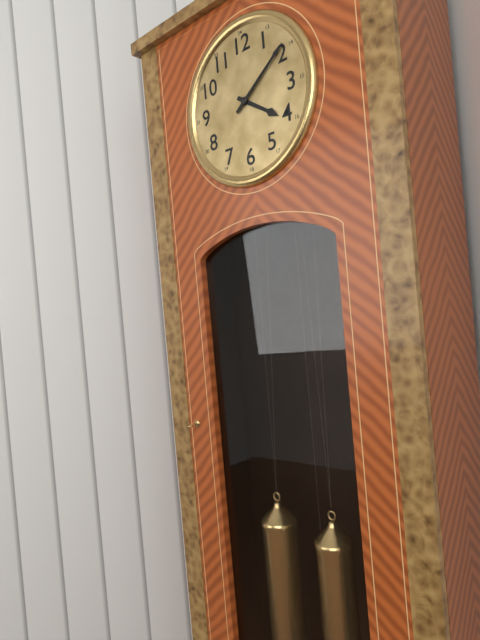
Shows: 4:09
